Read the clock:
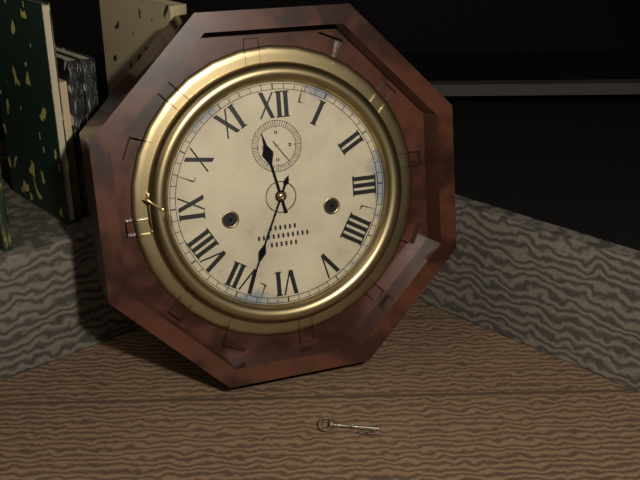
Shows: 11:34
